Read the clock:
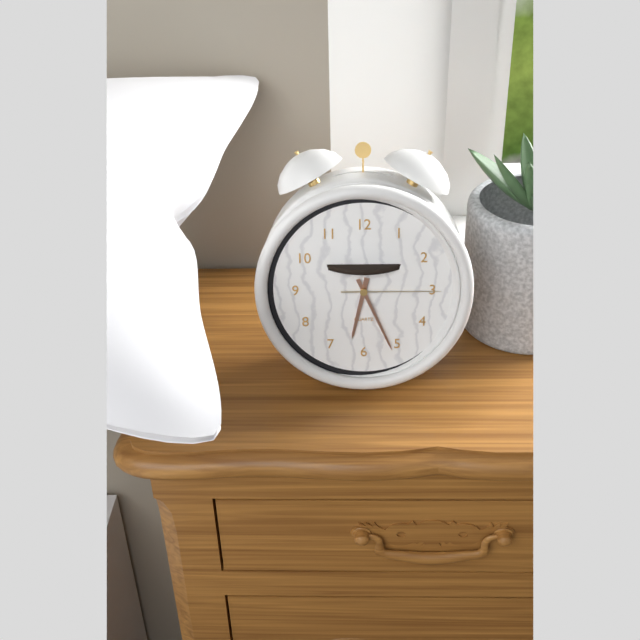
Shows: 6:26:15
